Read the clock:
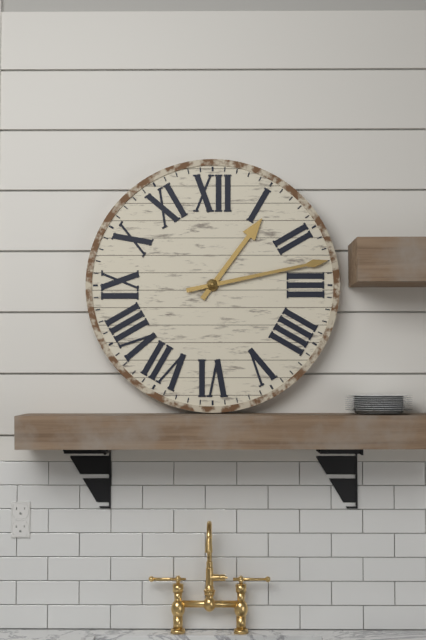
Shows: 1:13
